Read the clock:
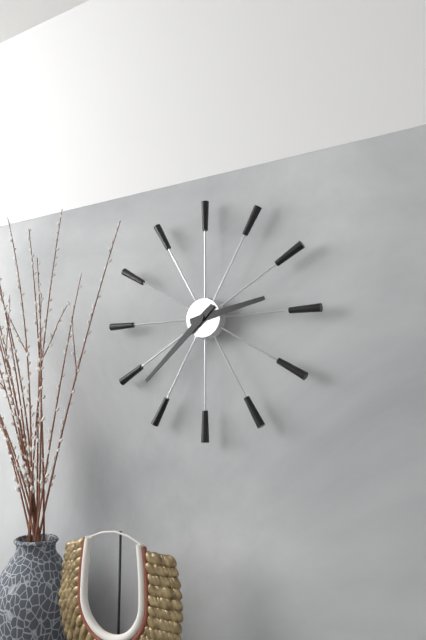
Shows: 2:38
